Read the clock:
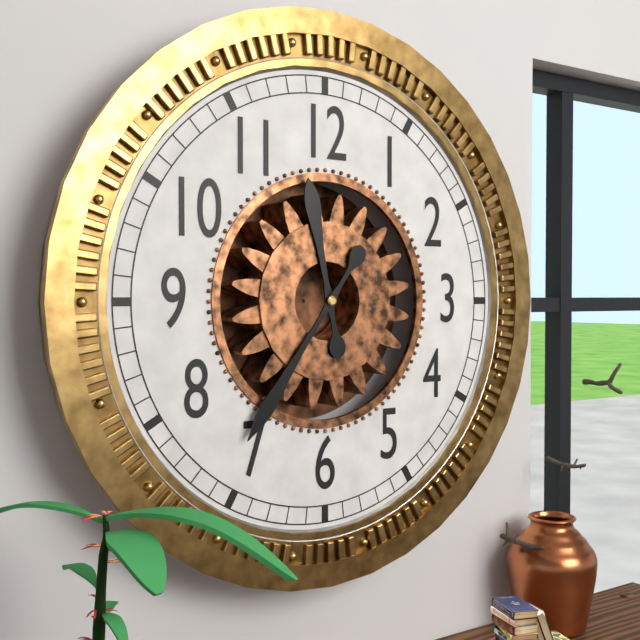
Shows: 11:36
